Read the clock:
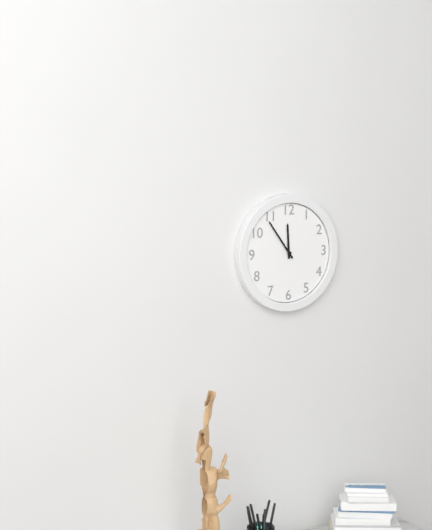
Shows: 11:54
